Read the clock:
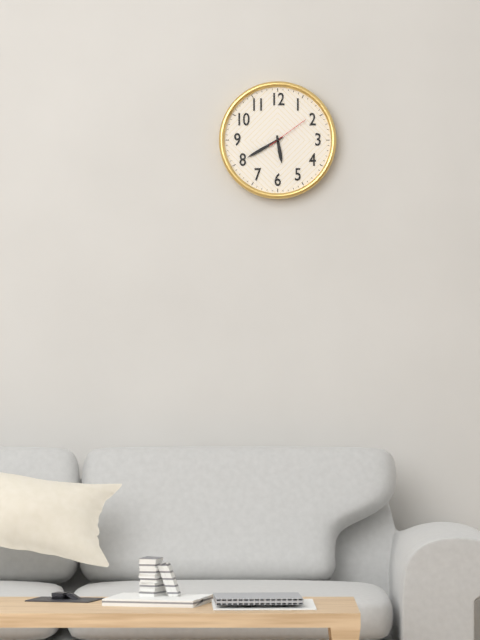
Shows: 5:40
